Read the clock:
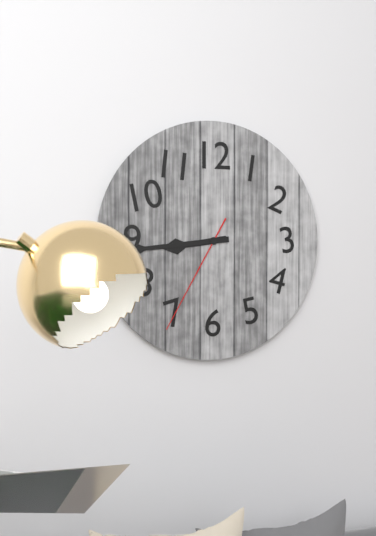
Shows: 8:44:35
